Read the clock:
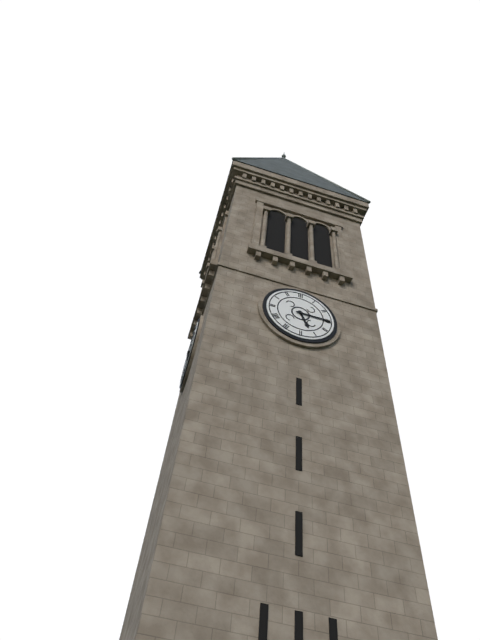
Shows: 5:15
